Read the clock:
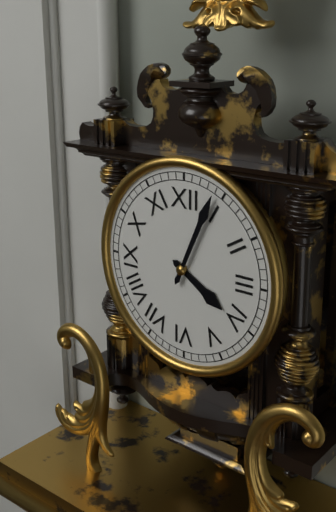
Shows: 4:04
